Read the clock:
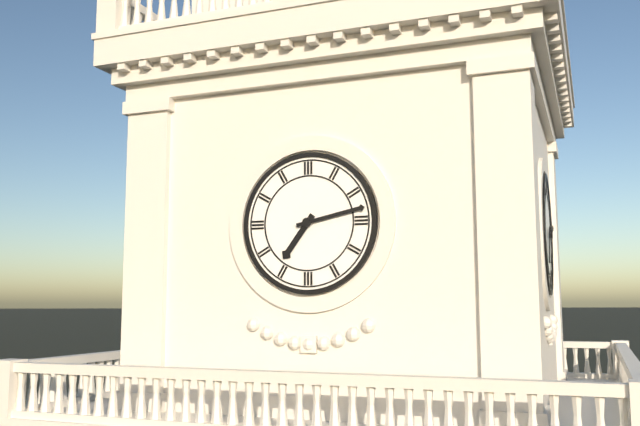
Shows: 7:13
